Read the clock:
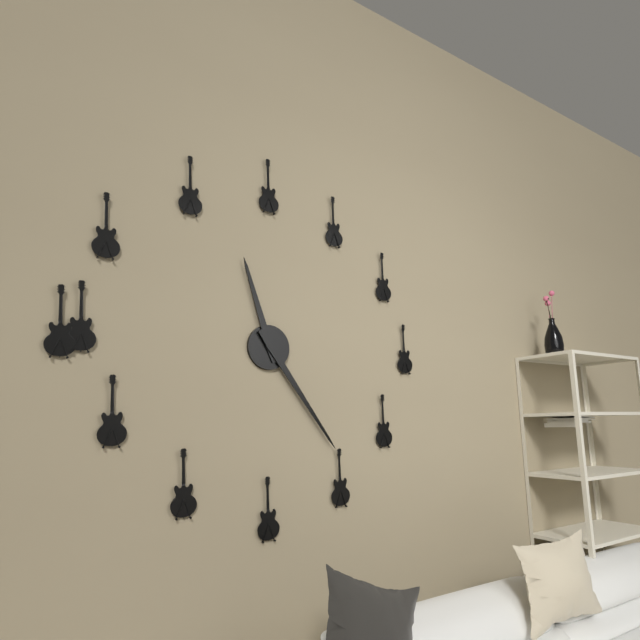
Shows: 11:24
